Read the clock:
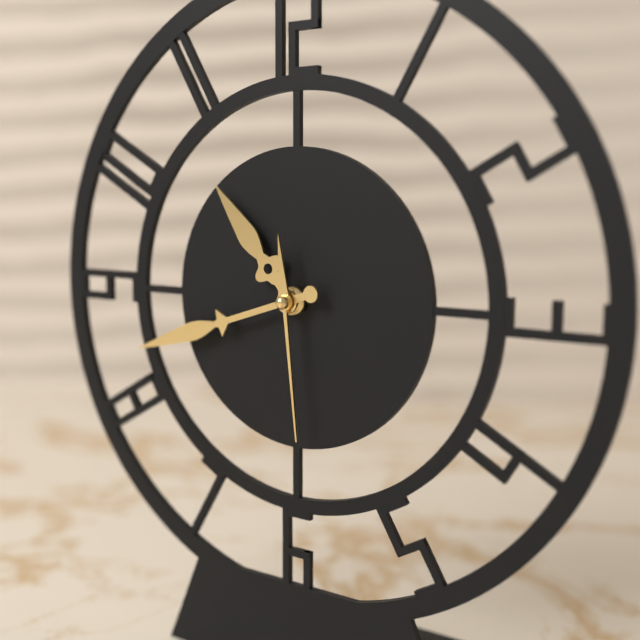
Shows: 10:42:29
